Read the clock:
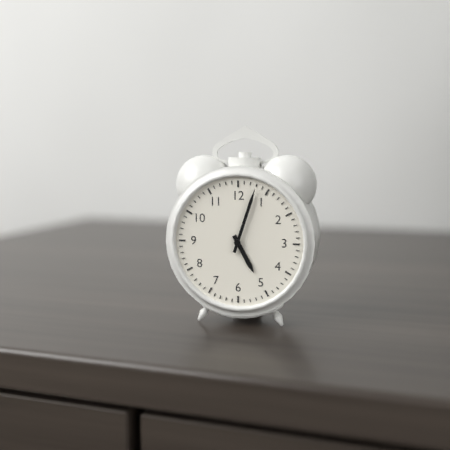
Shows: 5:03
